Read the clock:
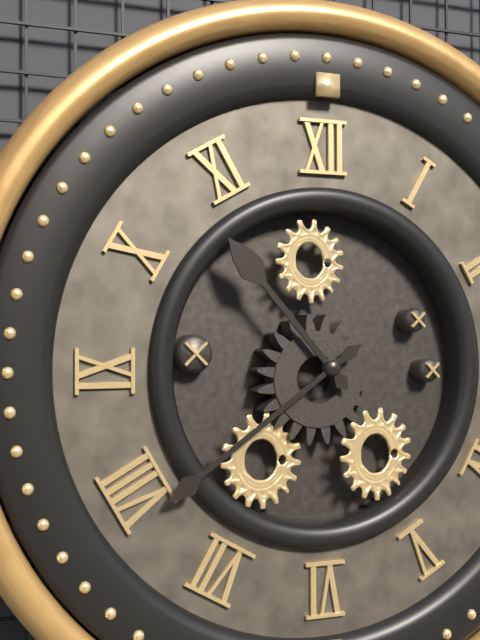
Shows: 10:39
